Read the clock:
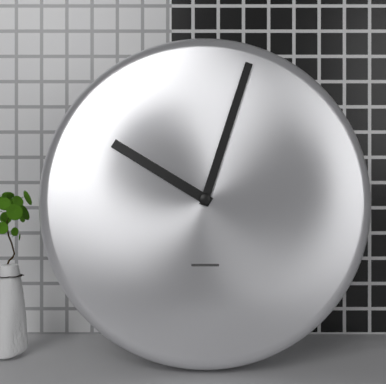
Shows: 10:03
